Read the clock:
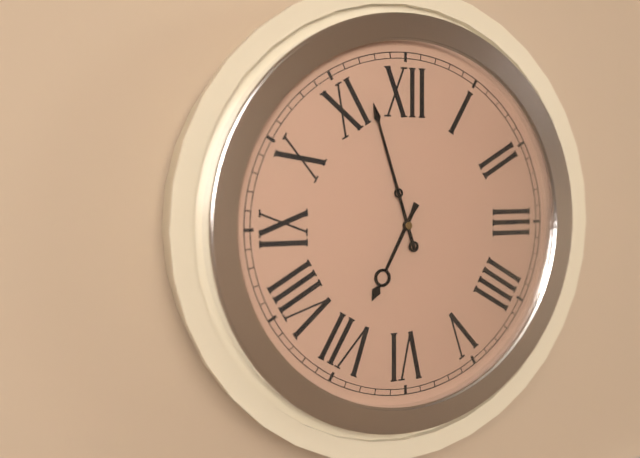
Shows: 6:57
